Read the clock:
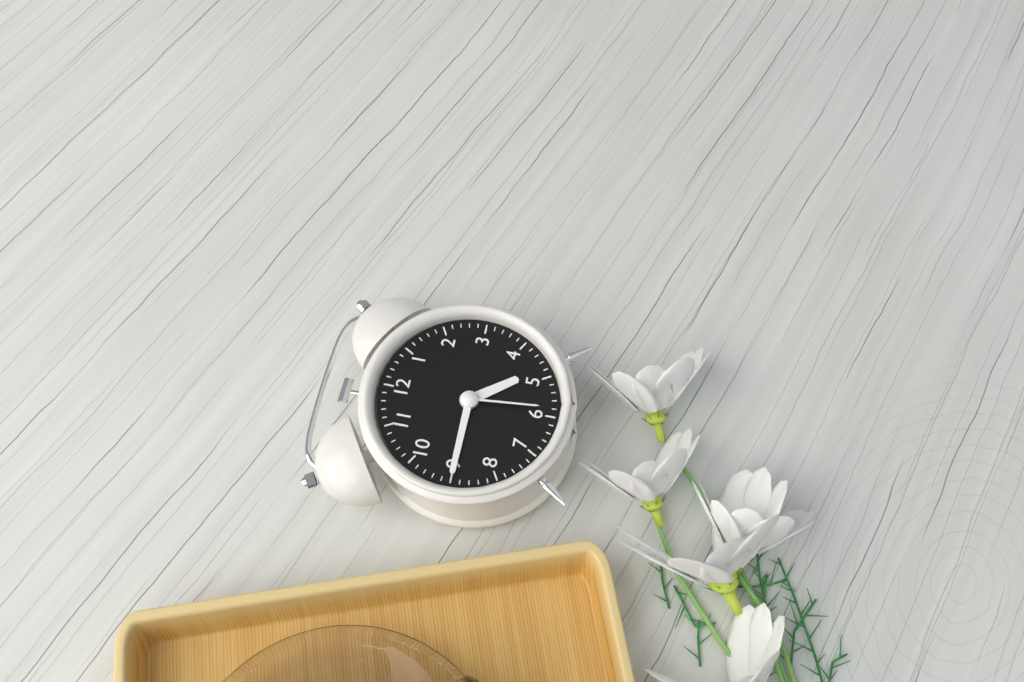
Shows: 4:45:29
